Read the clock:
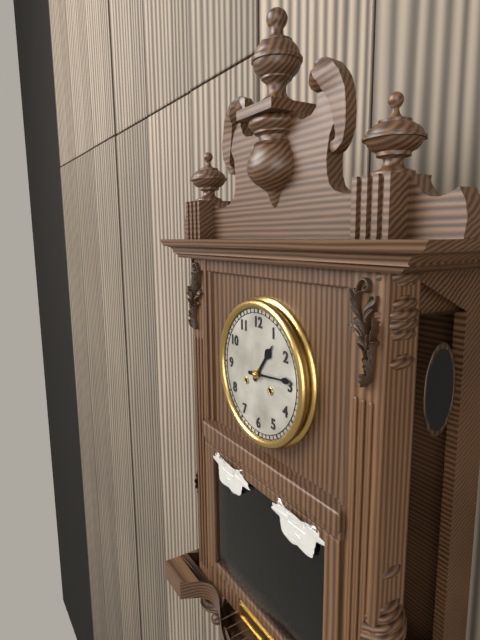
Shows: 1:14
